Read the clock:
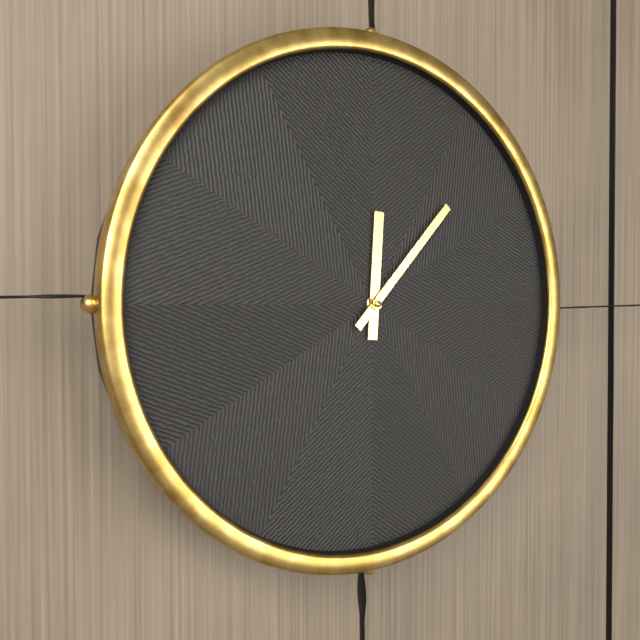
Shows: 12:07
